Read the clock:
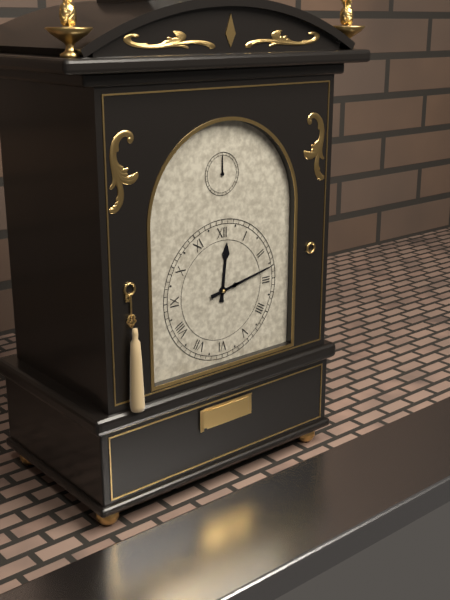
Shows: 12:13
